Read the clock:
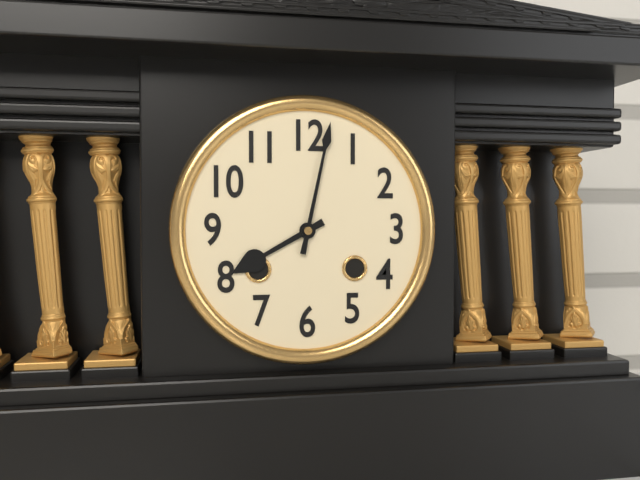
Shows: 8:02
